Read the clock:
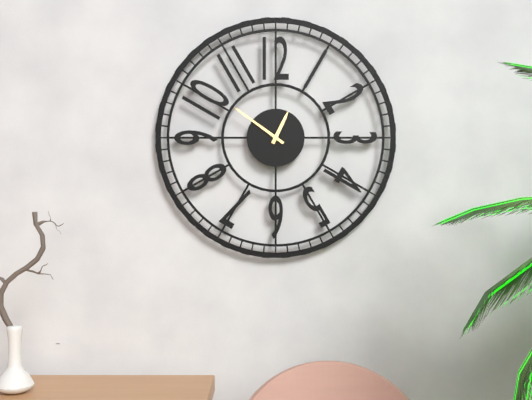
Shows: 12:51
